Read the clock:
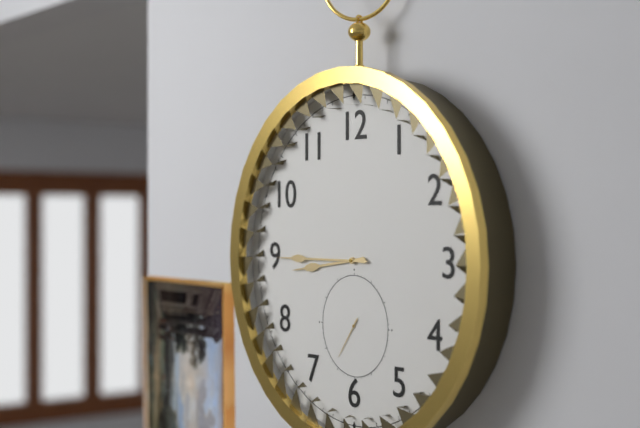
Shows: 8:45
